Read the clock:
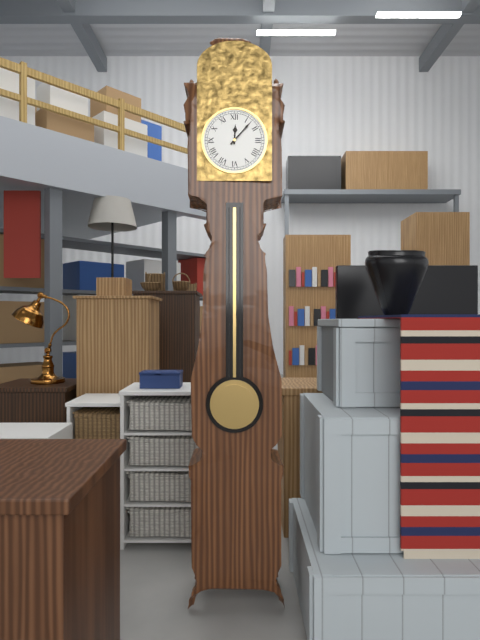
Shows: 12:07
